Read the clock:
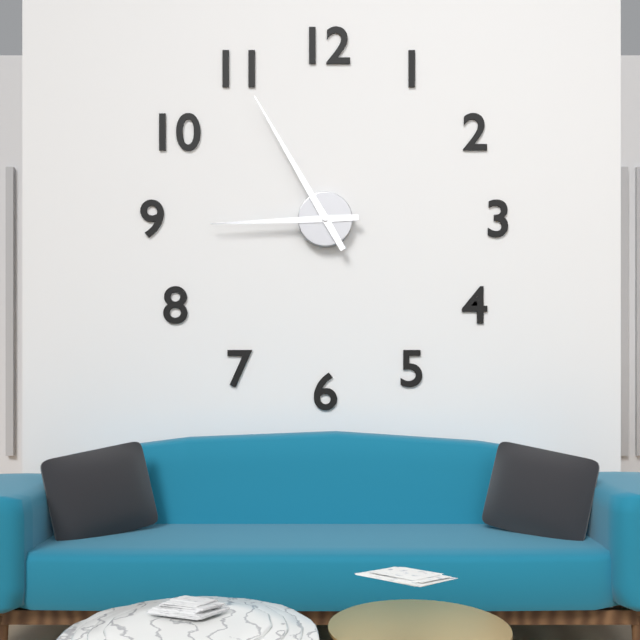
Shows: 8:55
